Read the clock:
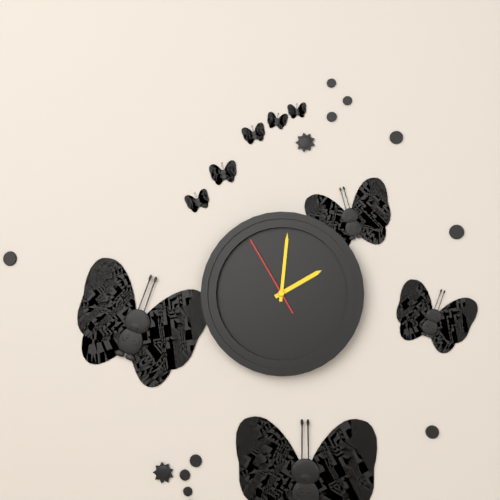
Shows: 2:01:55
